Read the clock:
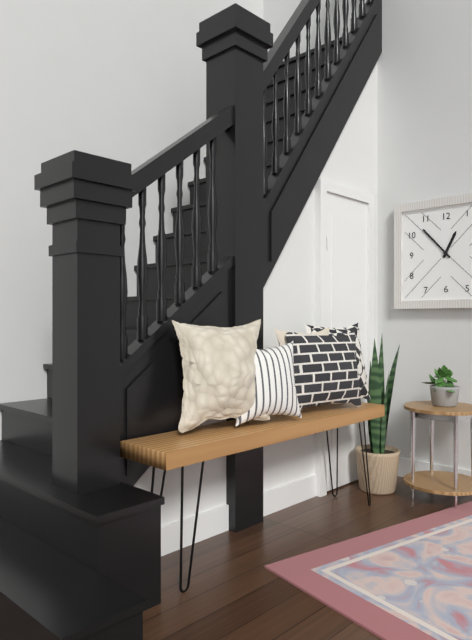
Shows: 12:53
